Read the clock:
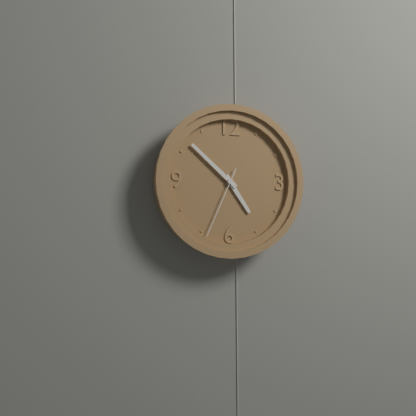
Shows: 4:52:34
